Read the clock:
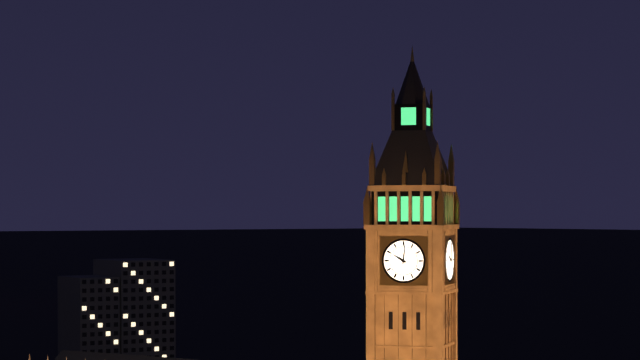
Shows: 10:01
